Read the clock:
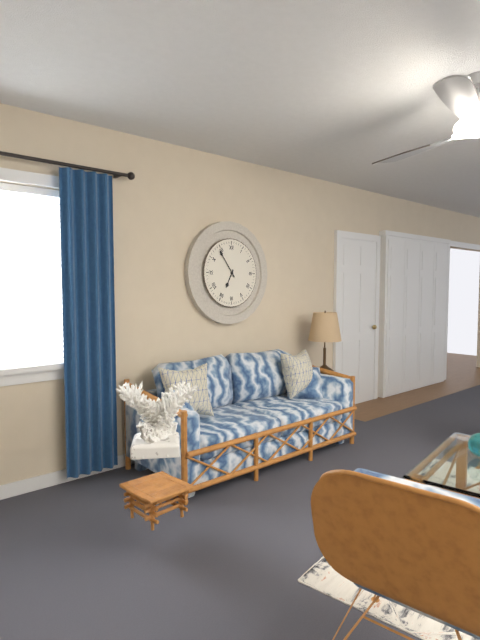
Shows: 6:54
